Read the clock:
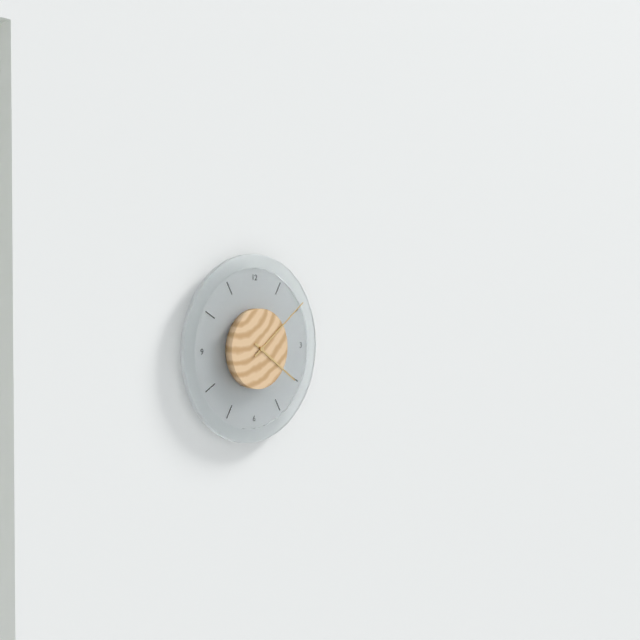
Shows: 4:09
